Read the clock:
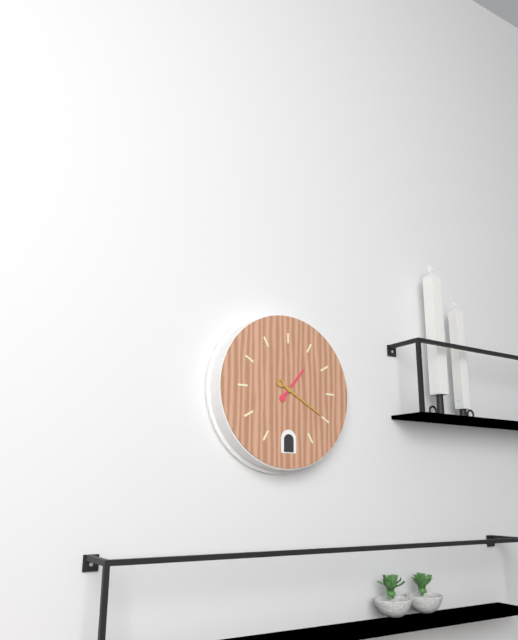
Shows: 1:20
